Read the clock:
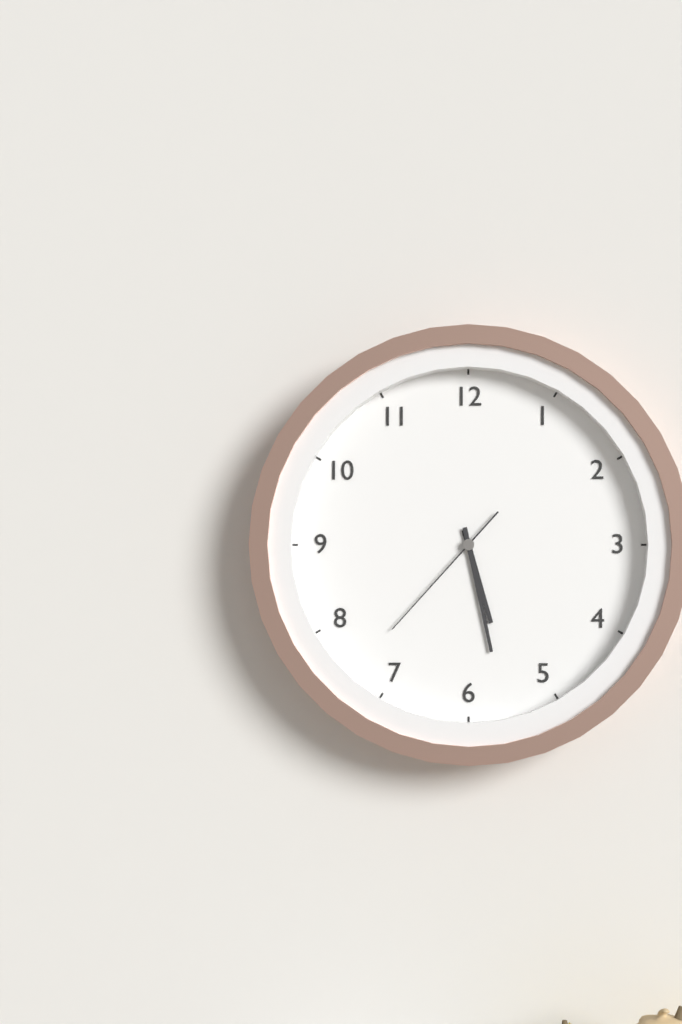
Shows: 5:28:37
